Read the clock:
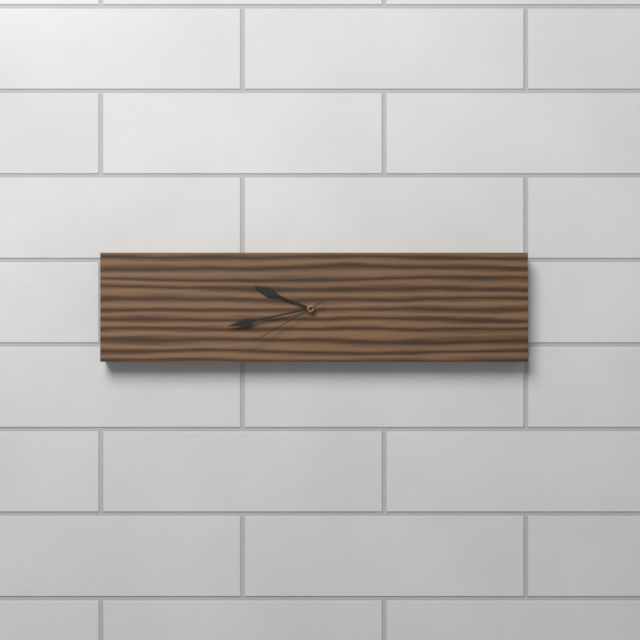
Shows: 9:43:40
